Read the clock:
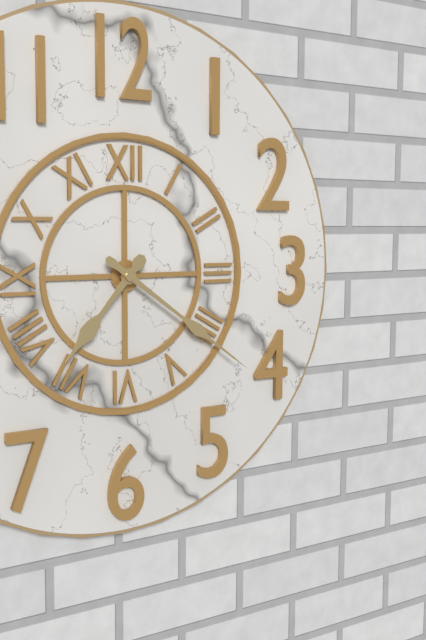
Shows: 7:21
